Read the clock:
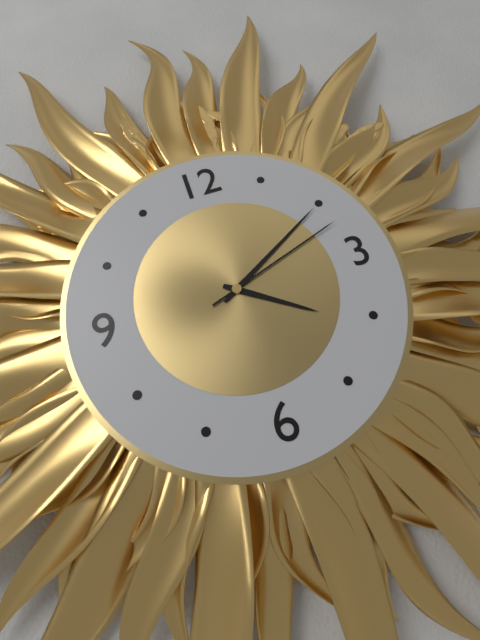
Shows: 4:10:12
